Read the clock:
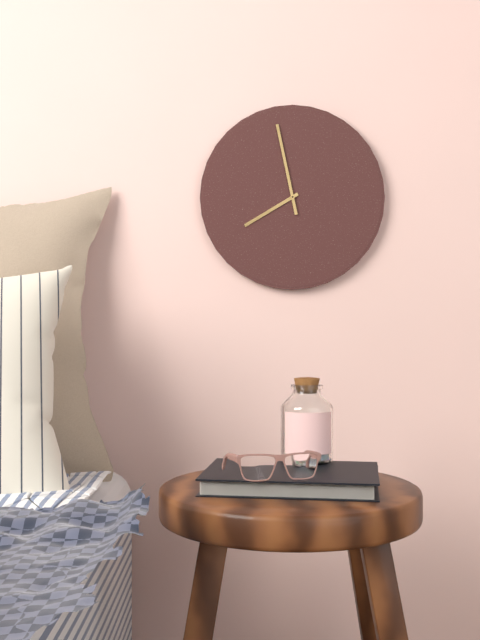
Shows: 7:58
